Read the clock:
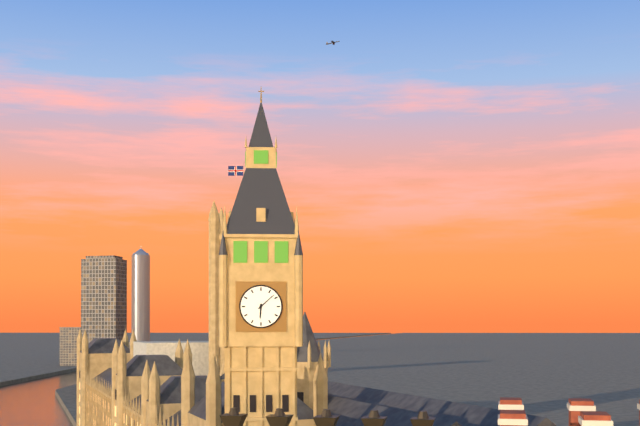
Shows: 6:08
